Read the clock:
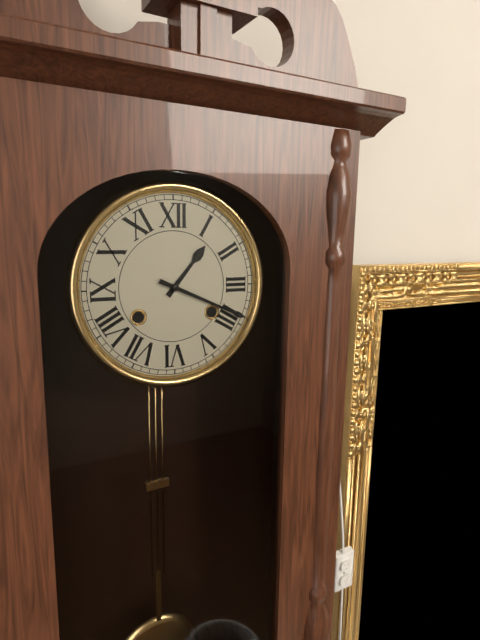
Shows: 1:19
